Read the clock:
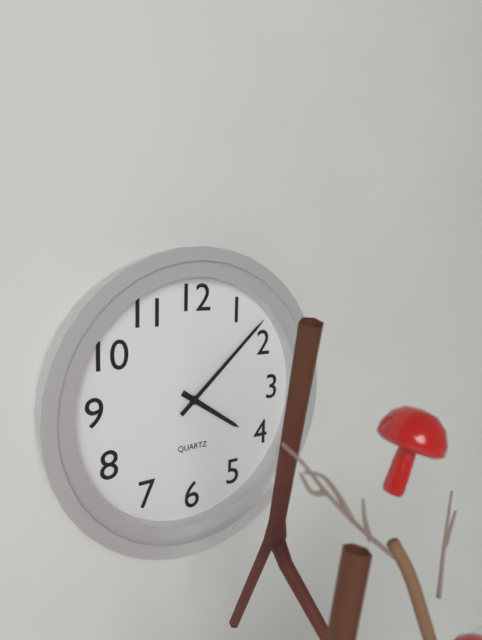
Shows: 4:08
